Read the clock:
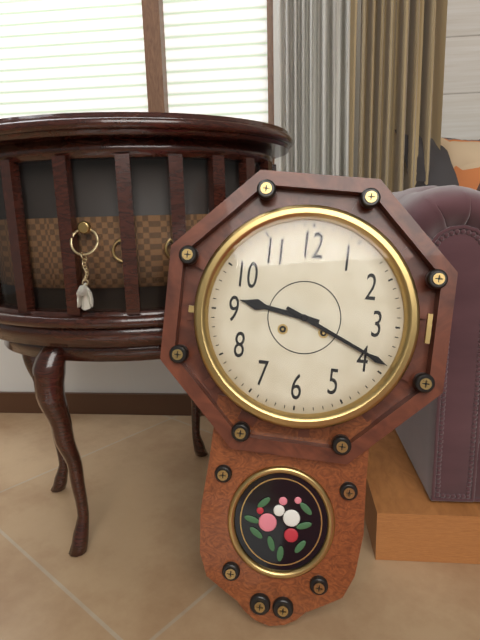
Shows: 9:19
